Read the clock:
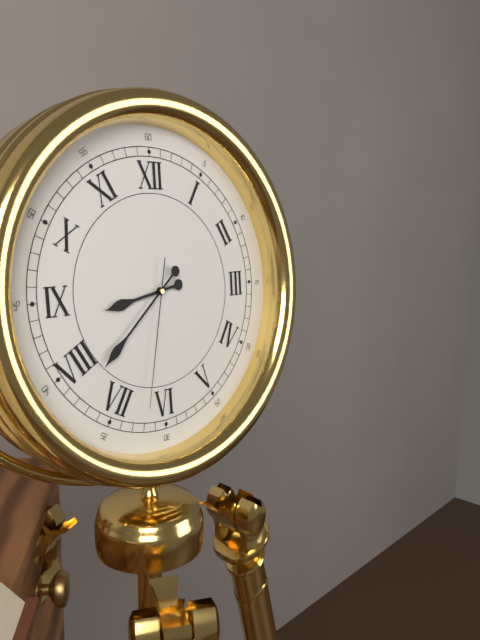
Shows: 8:38:32
